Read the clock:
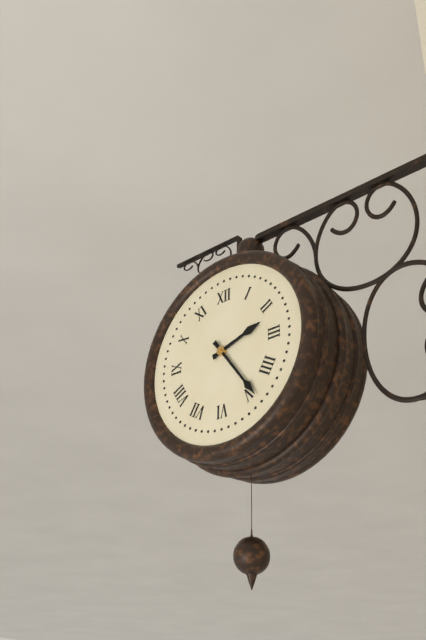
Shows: 2:24
